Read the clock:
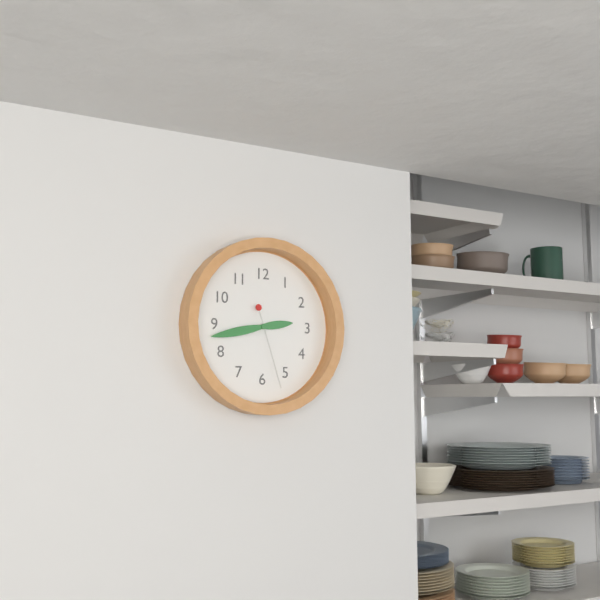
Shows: 2:43:27
